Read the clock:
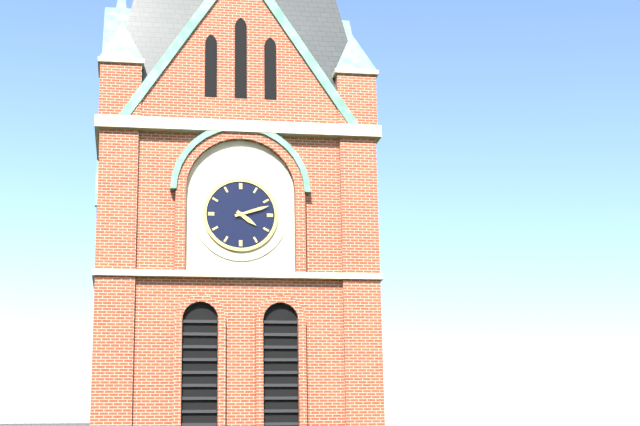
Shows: 4:12
